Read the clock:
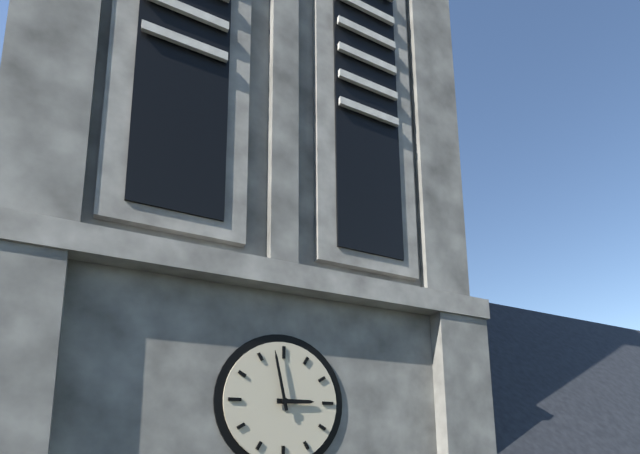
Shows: 2:58
